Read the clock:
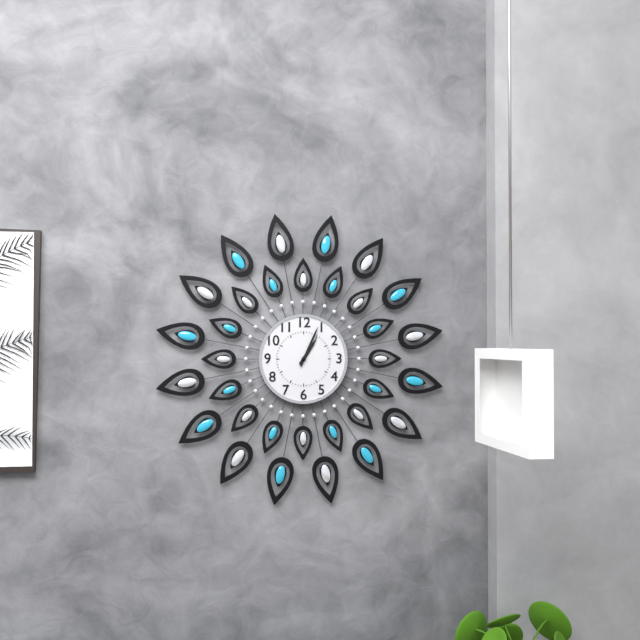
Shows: 1:04
